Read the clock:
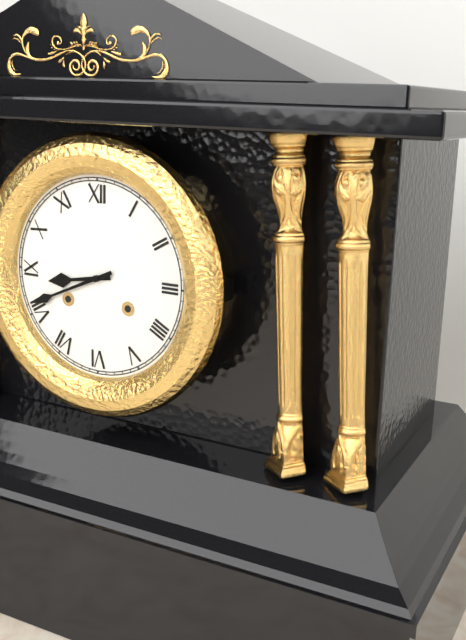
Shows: 8:41
